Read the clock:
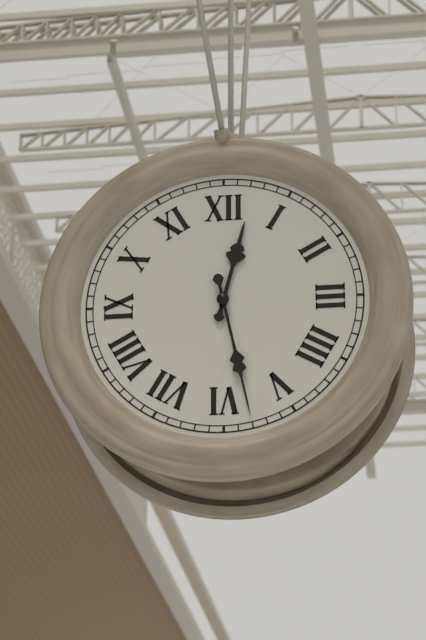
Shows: 12:28
